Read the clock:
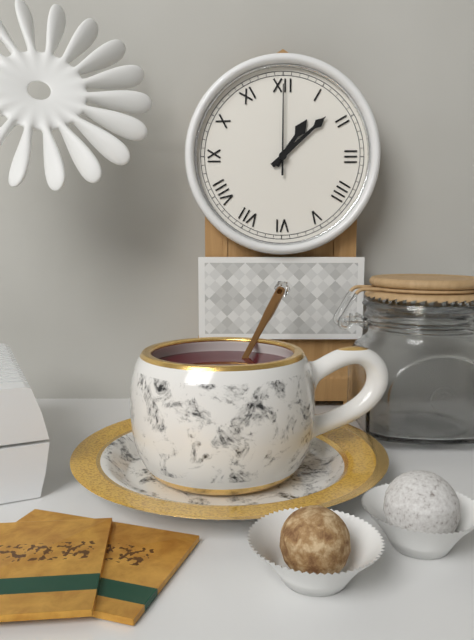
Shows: 1:08:00
